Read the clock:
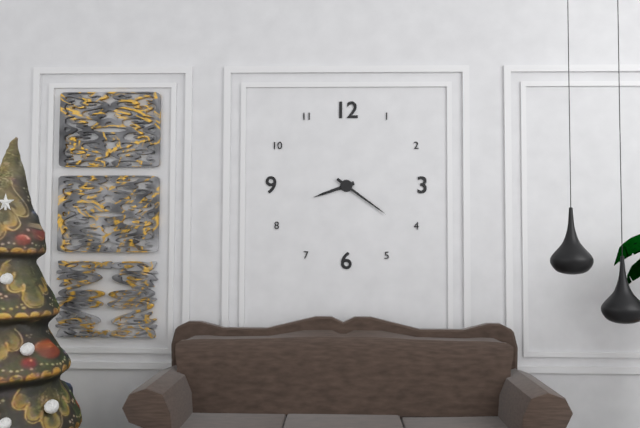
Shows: 8:21
